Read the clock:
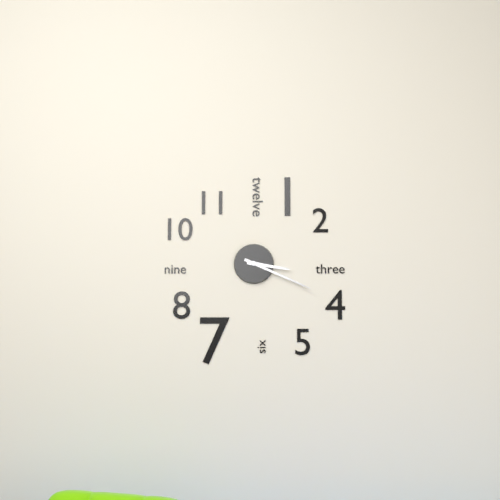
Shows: 3:19
